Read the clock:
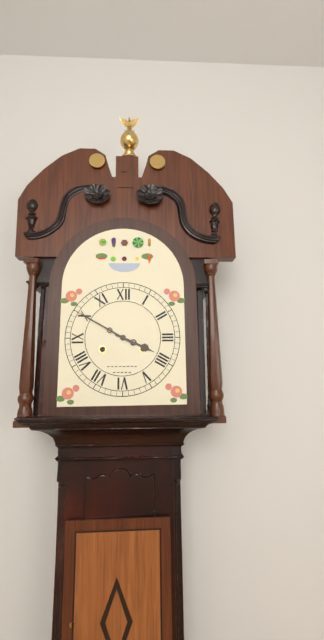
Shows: 3:50
